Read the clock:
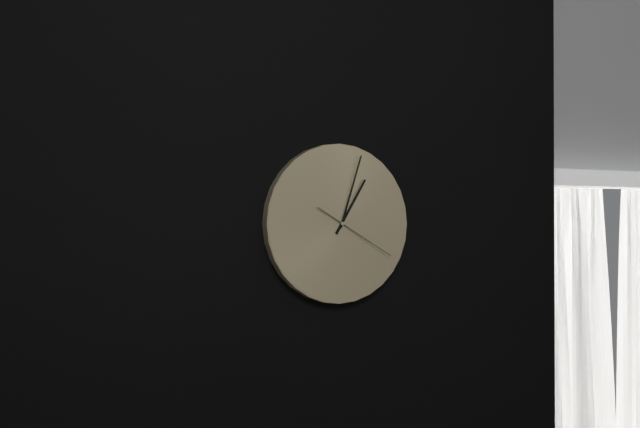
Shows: 1:03:20
